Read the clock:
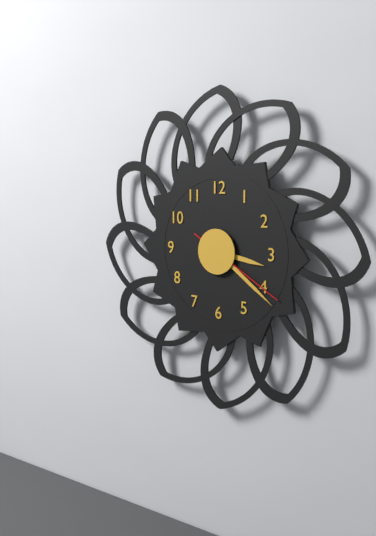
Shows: 3:21:20
